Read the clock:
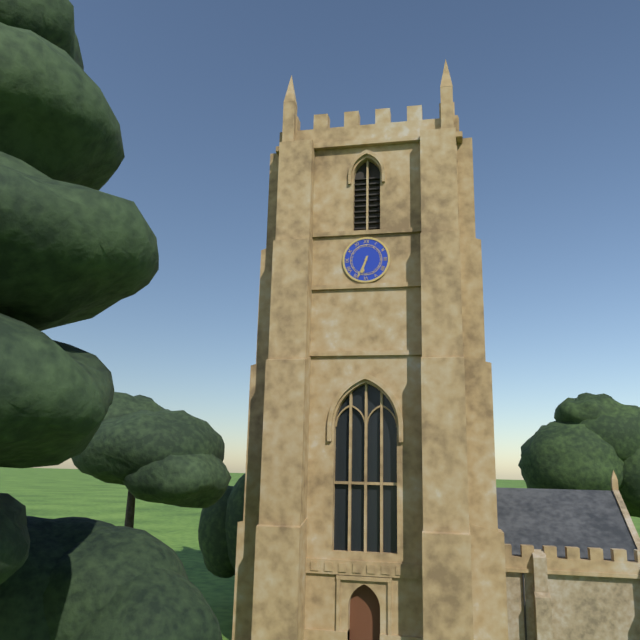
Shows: 6:34
